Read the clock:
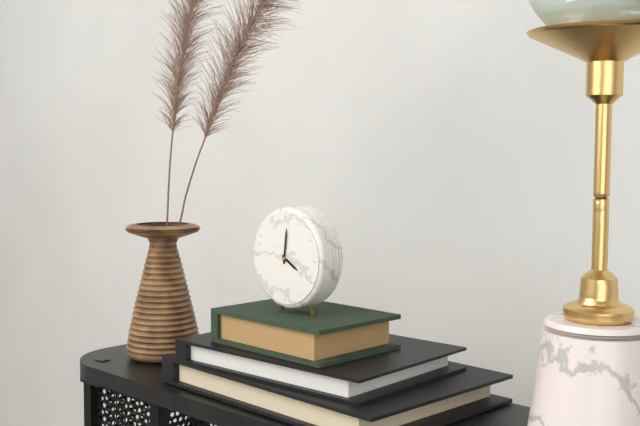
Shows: 4:01
